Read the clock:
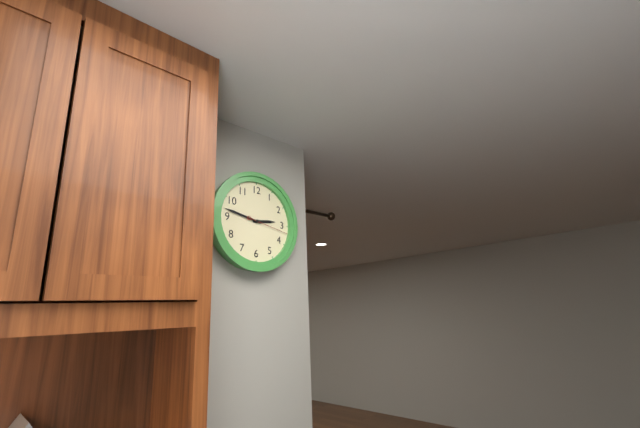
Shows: 2:47
